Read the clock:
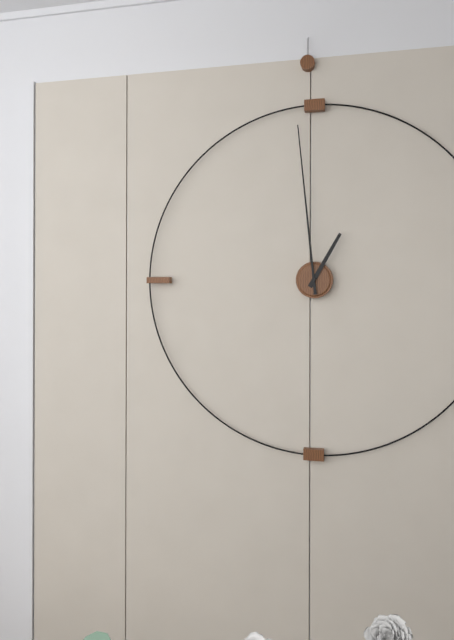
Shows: 12:59
